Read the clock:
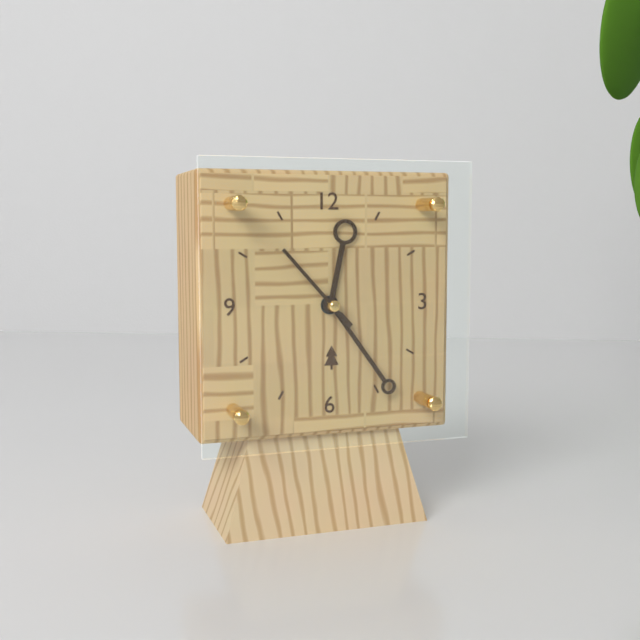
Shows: 12:24:53
